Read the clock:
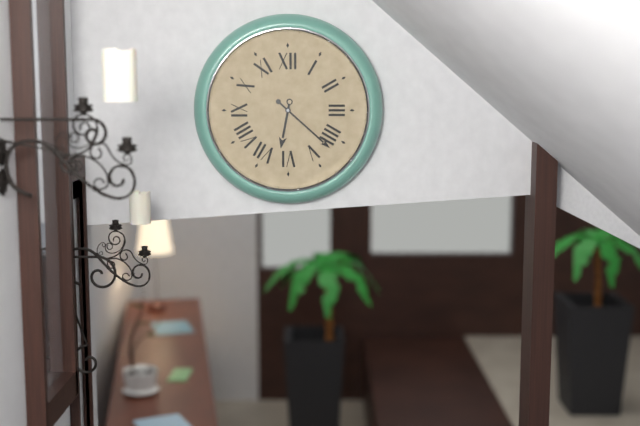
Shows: 6:22
